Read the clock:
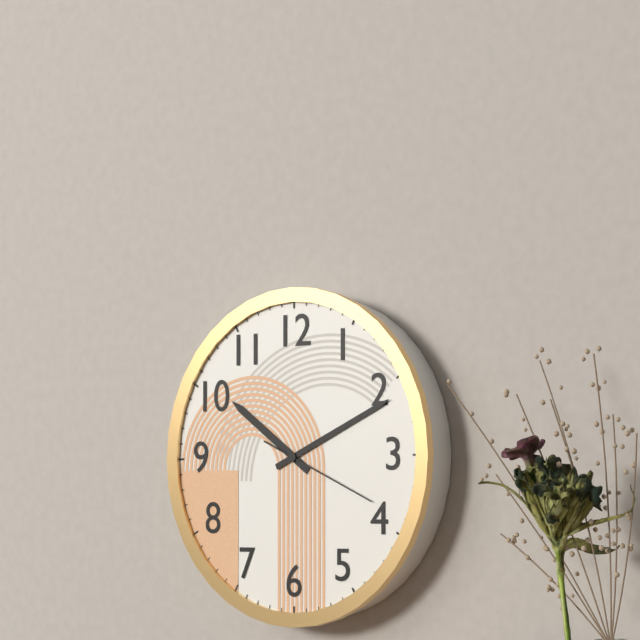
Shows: 10:11:19
